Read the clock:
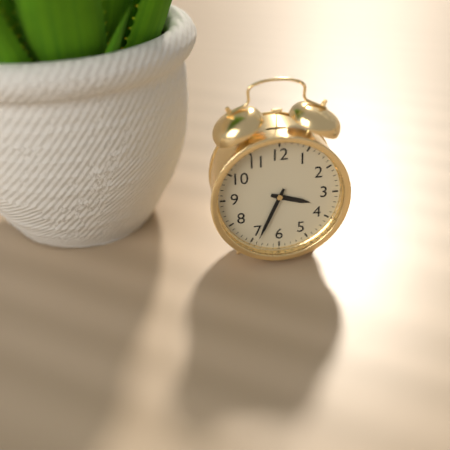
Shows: 3:34
